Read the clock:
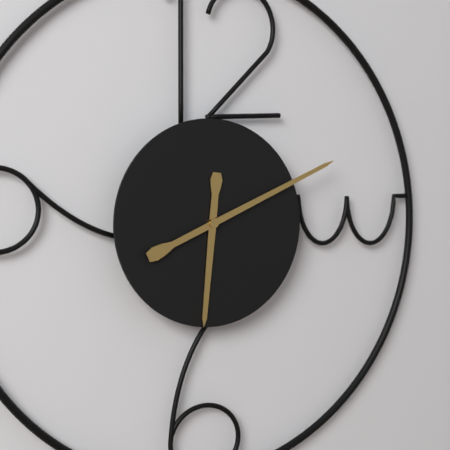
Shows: 6:11
